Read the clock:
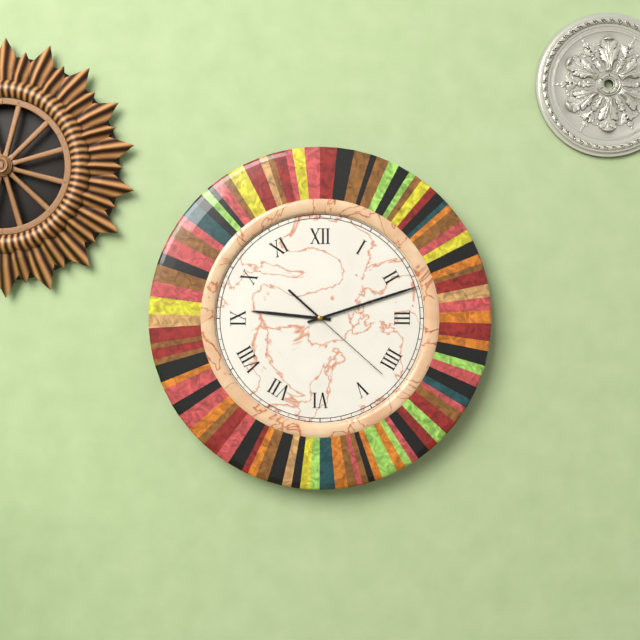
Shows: 9:12:22
